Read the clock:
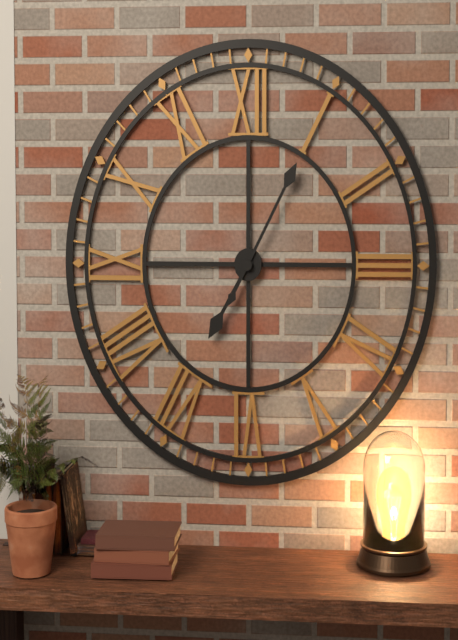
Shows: 7:05
